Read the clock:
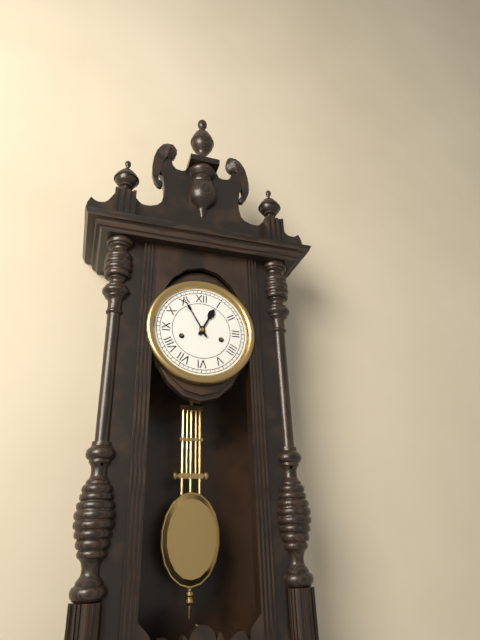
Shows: 12:55
